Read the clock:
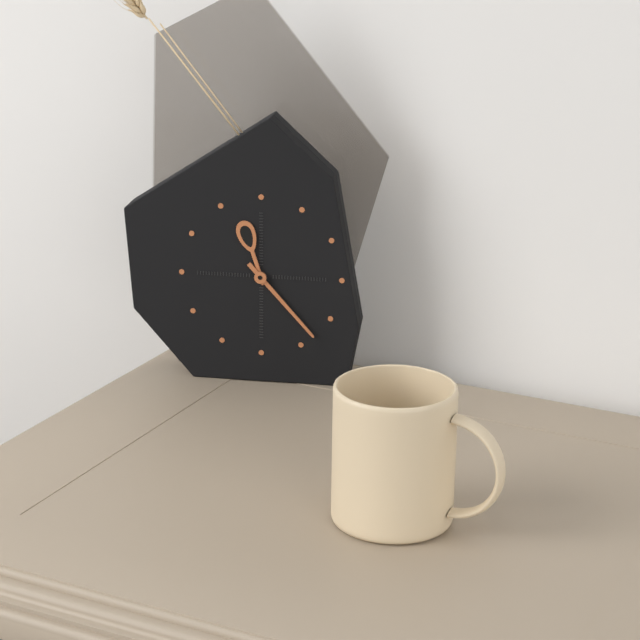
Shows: 11:23
